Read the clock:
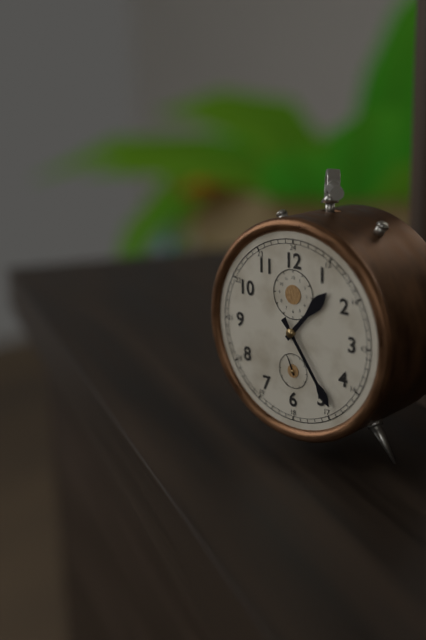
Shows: 1:24
